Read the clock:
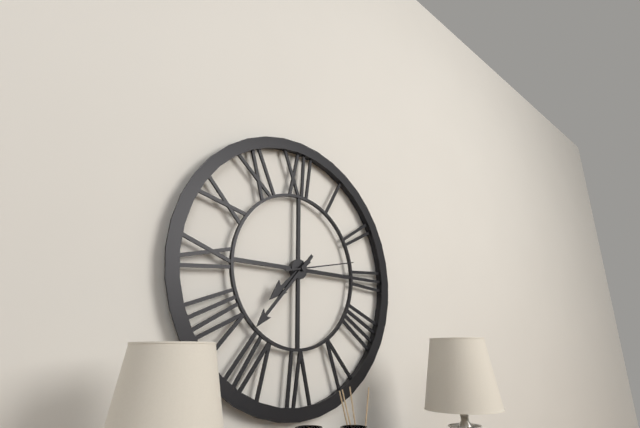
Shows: 7:37:13
